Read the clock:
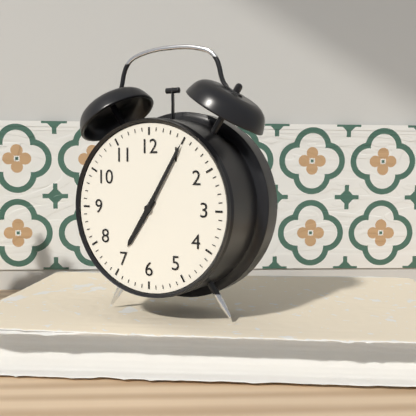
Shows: 7:05
